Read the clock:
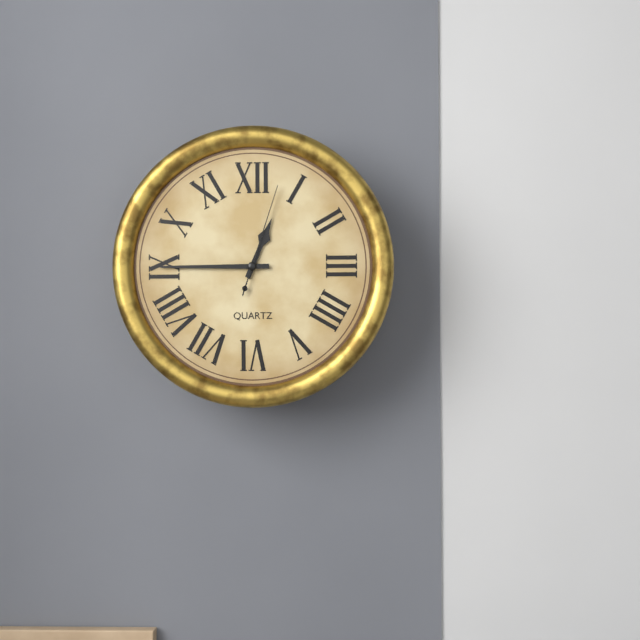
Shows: 12:45:03
